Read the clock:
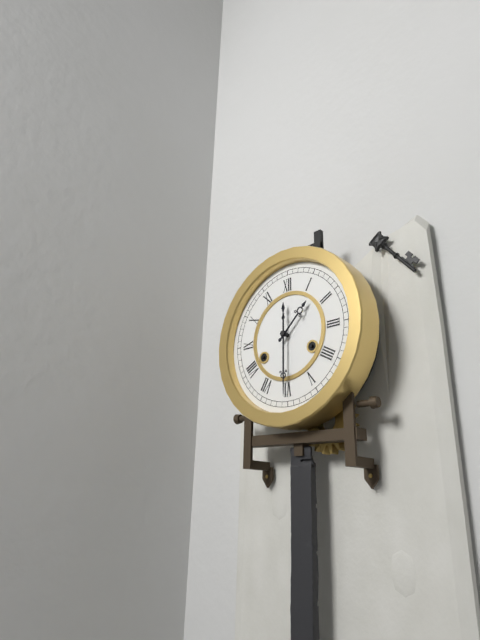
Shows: 1:30
